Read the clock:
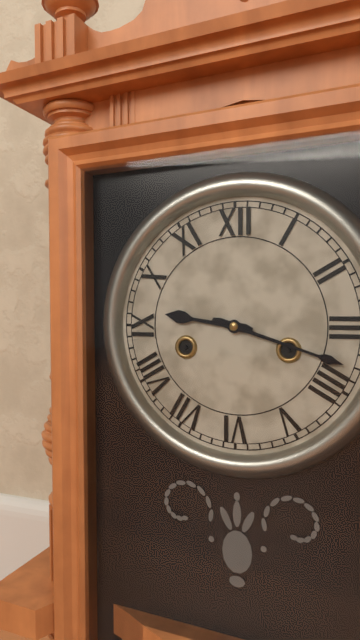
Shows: 9:18
